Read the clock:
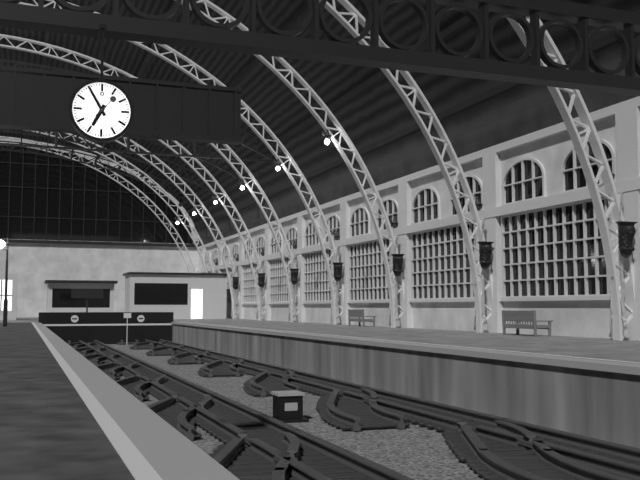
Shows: 6:55
